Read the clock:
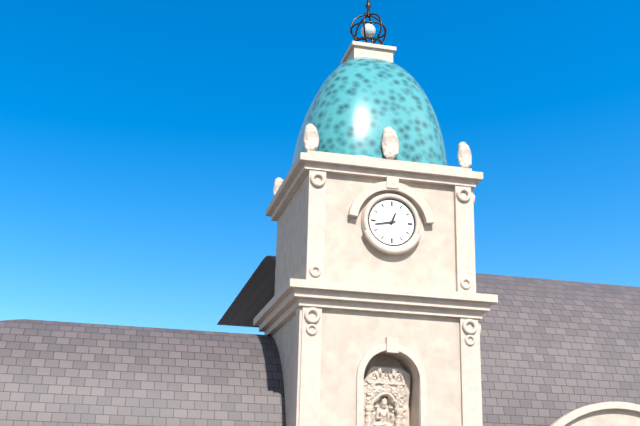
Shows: 12:43
